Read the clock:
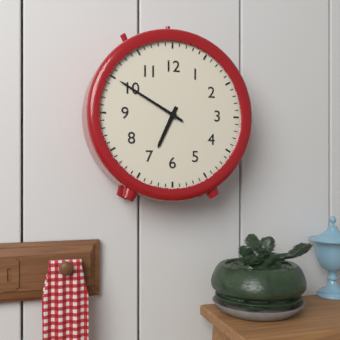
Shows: 6:50
